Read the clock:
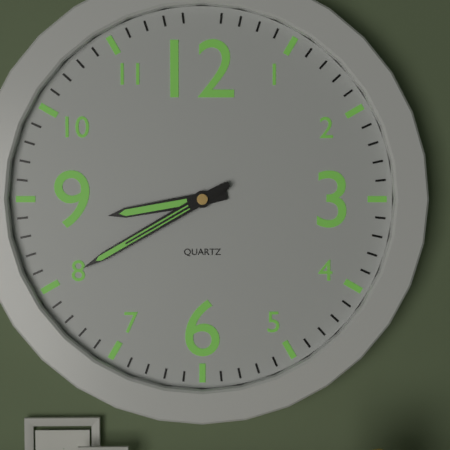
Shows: 8:40:40
